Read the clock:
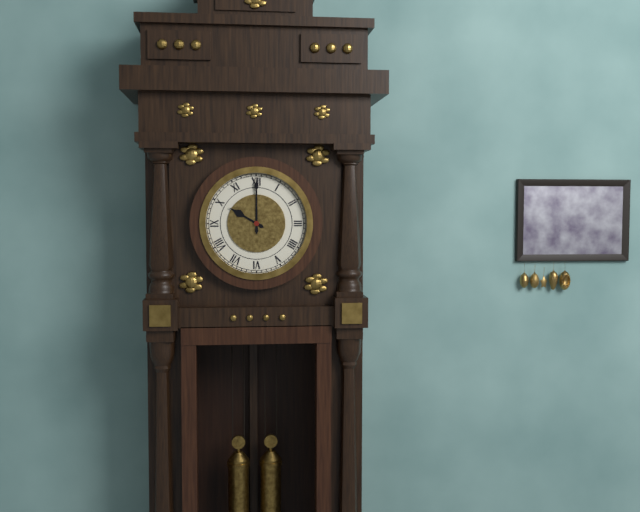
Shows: 10:00
